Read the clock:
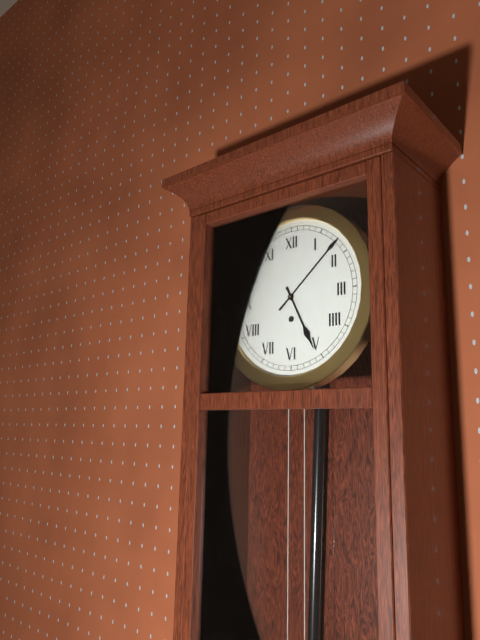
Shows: 5:08
